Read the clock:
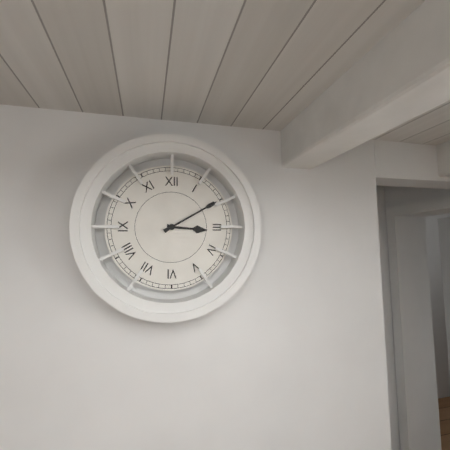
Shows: 3:10
